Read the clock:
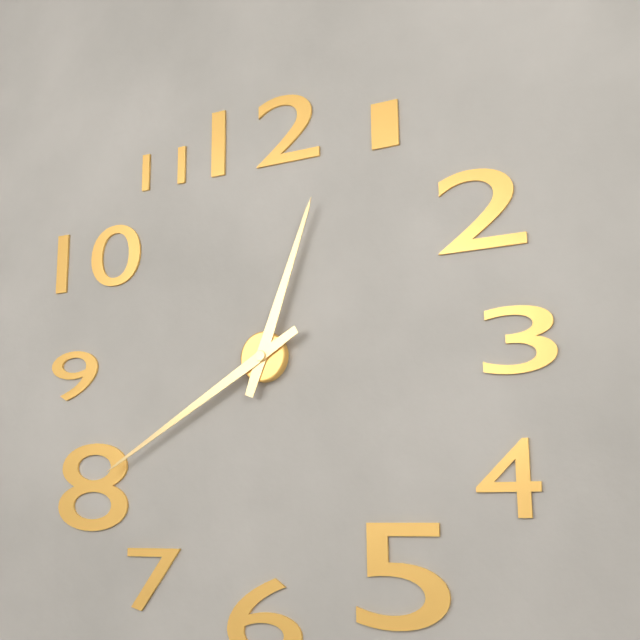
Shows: 12:40
